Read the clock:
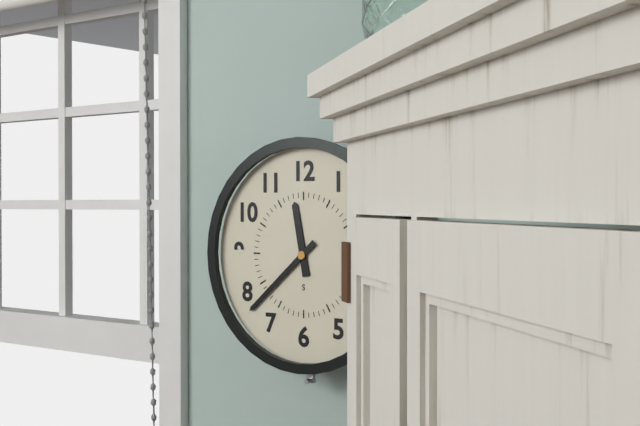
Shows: 11:38
